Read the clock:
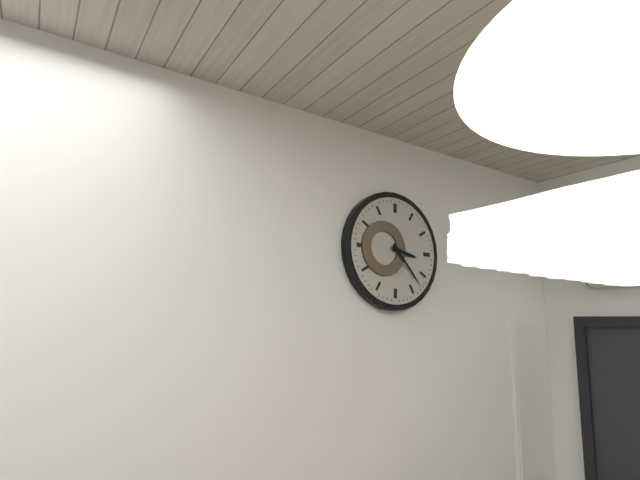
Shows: 3:23
